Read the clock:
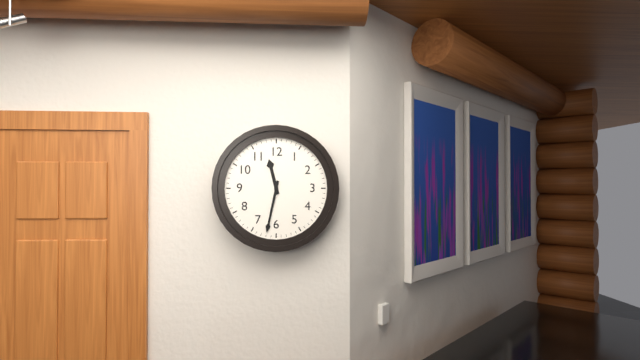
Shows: 11:32
